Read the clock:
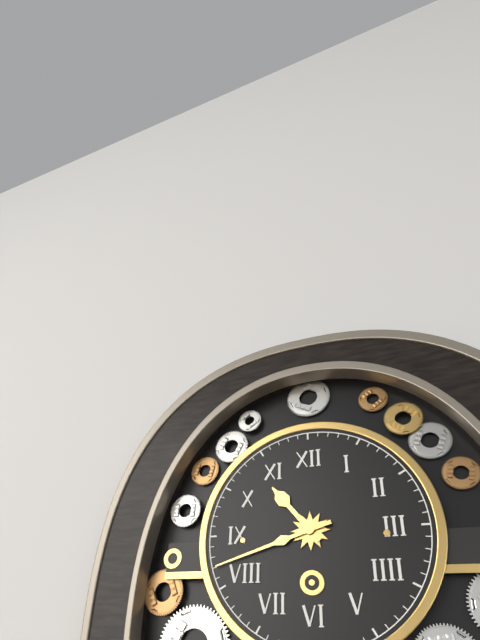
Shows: 10:42
